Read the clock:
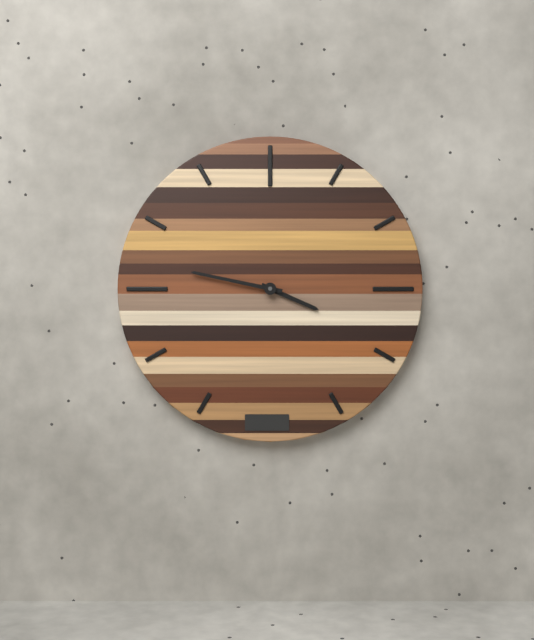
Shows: 3:47
